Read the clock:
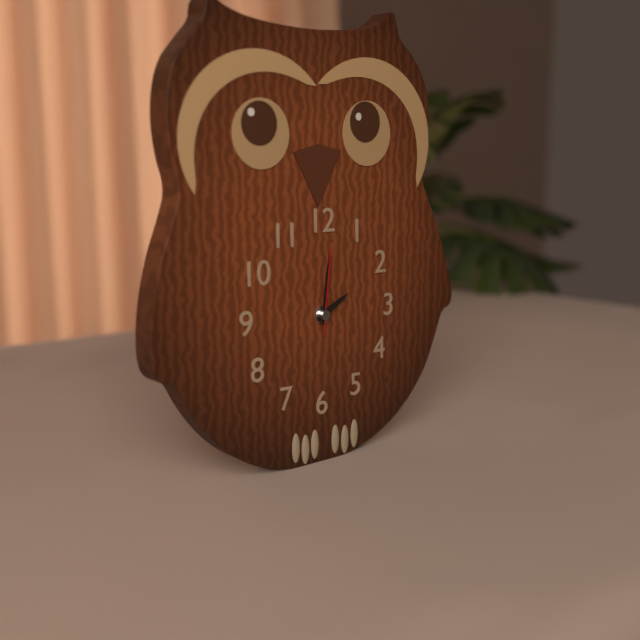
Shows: 2:01:01
